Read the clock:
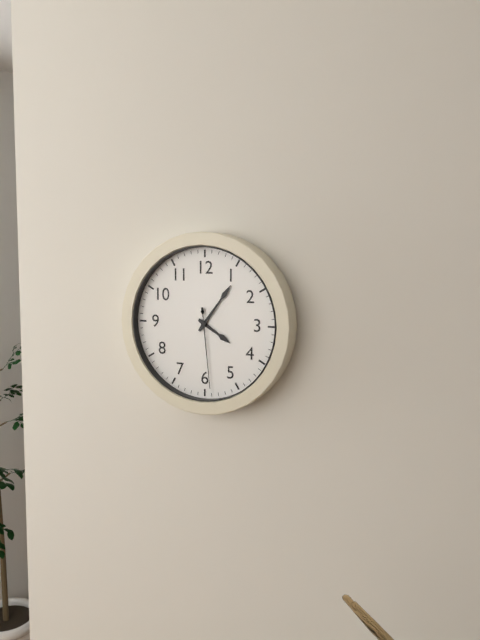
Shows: 4:06:29
